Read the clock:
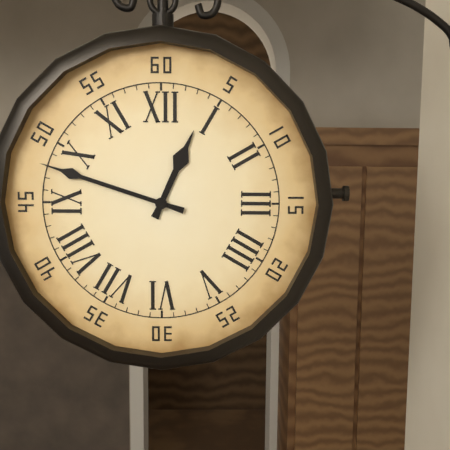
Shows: 12:48
